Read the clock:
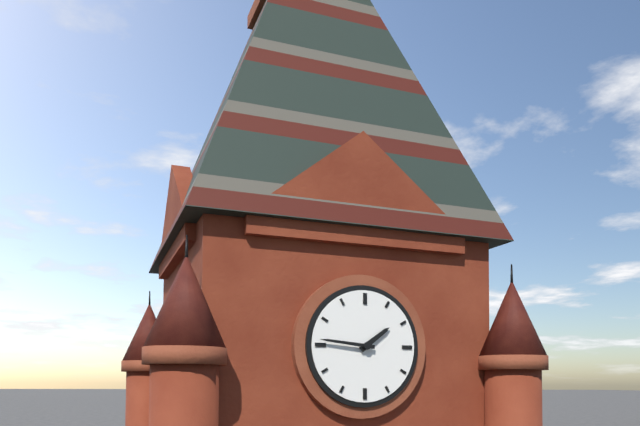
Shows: 1:46
